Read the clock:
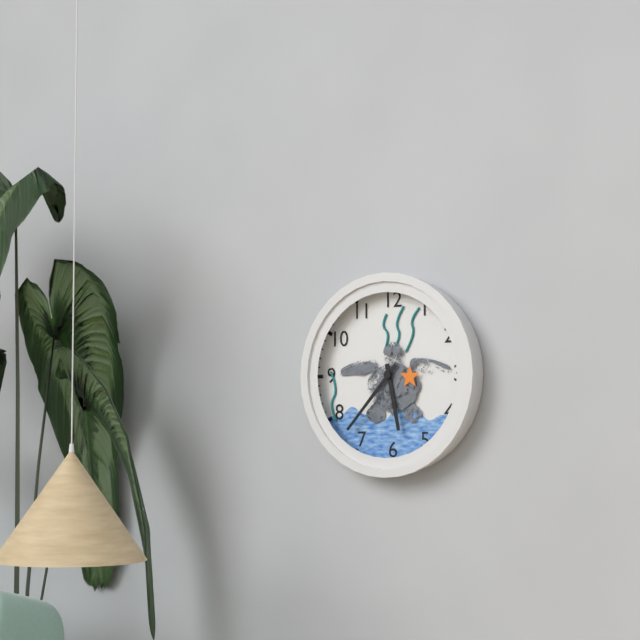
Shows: 5:37
